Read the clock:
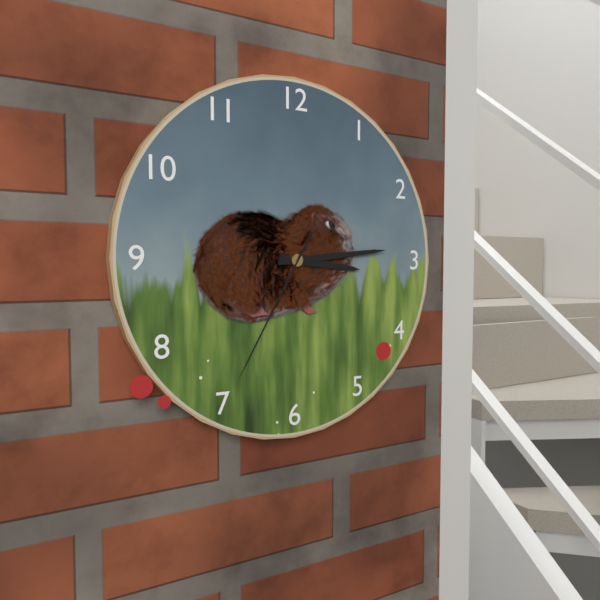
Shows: 3:14:35
